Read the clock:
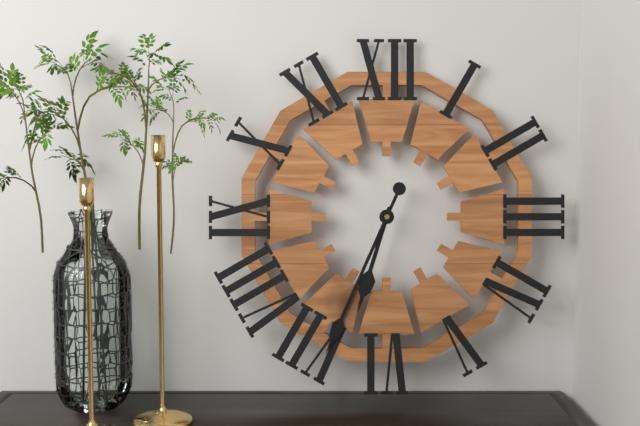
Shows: 6:34
